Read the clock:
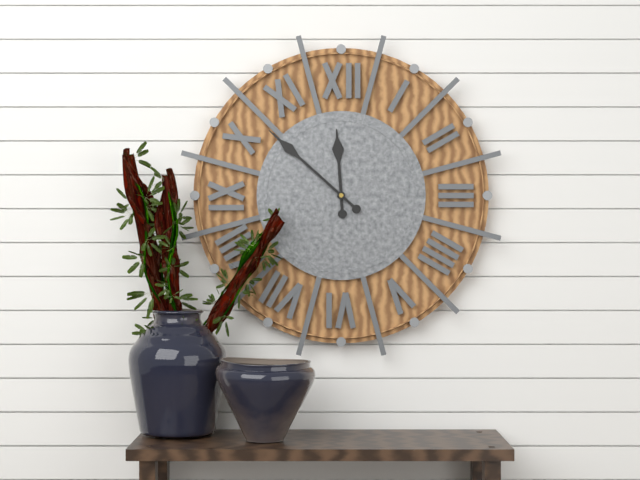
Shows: 11:52
